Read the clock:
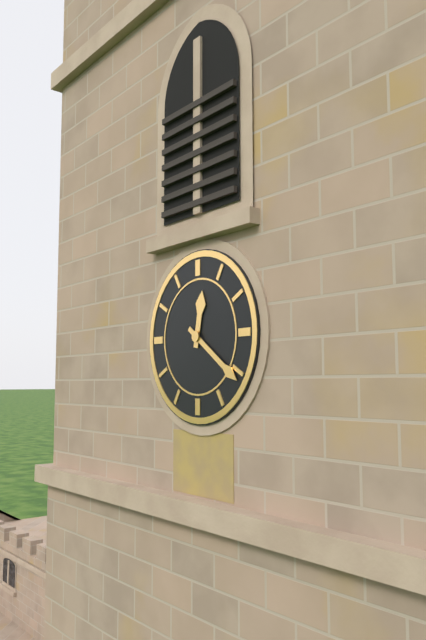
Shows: 12:21
